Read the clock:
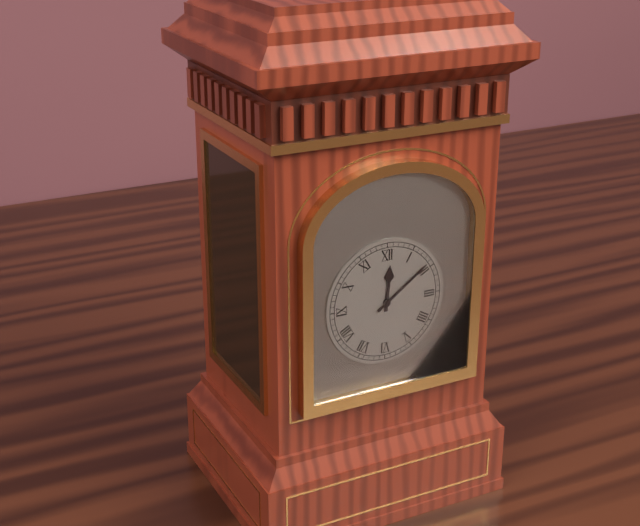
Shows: 12:09
